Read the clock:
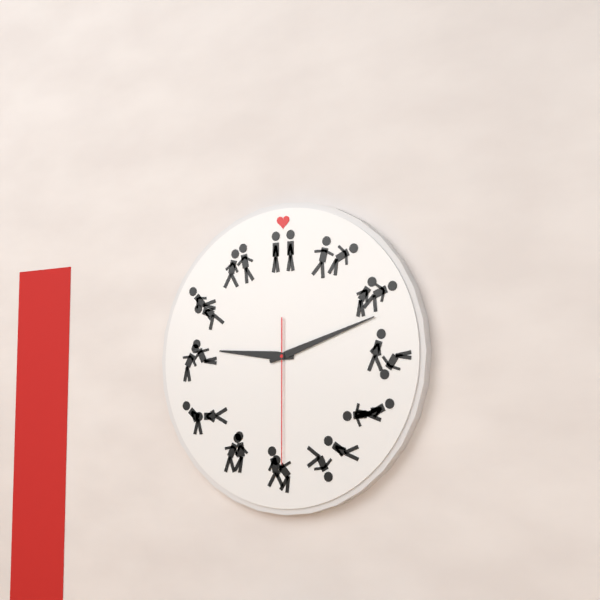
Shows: 9:12:30
